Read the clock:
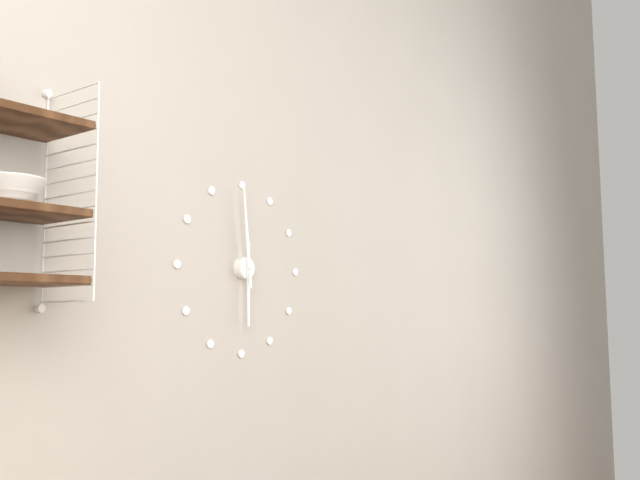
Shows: 5:59
